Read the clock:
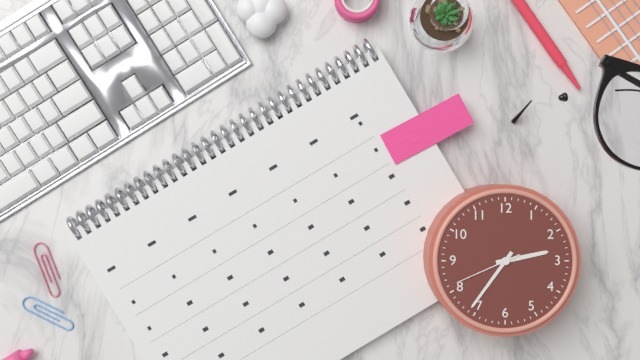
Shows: 2:36:41
